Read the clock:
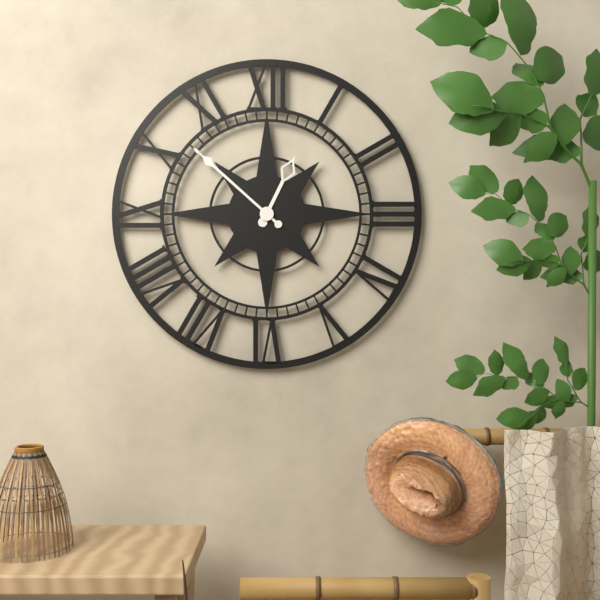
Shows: 12:52
